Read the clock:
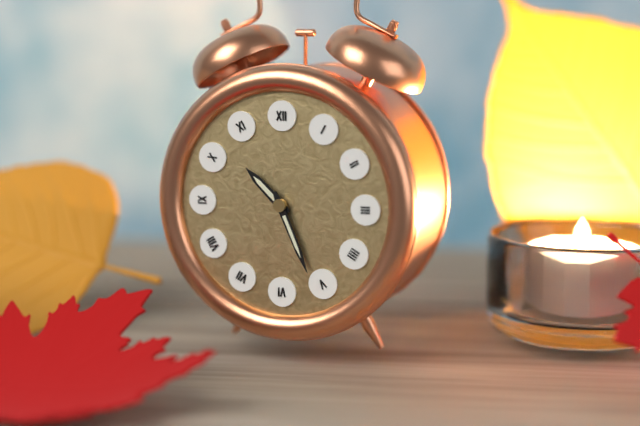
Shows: 10:26
